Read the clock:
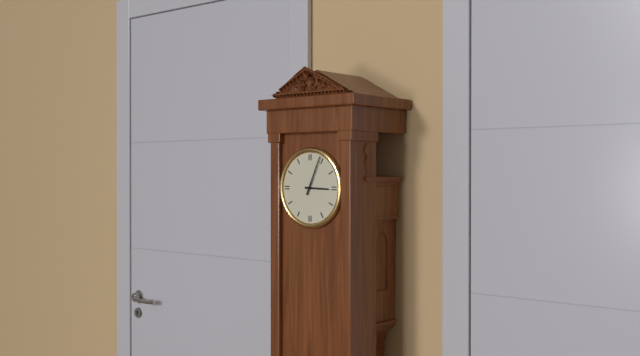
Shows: 3:04
